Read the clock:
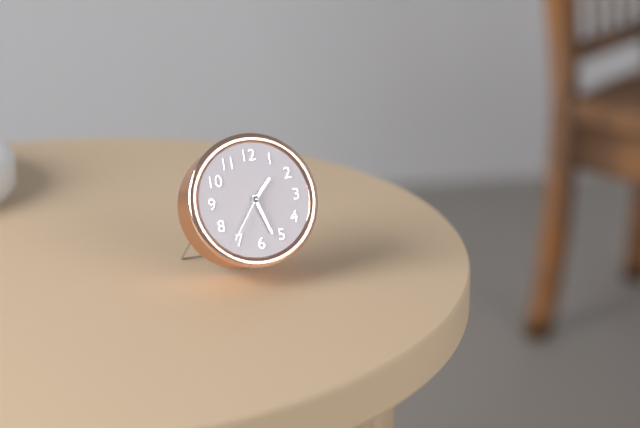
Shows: 1:27:36
